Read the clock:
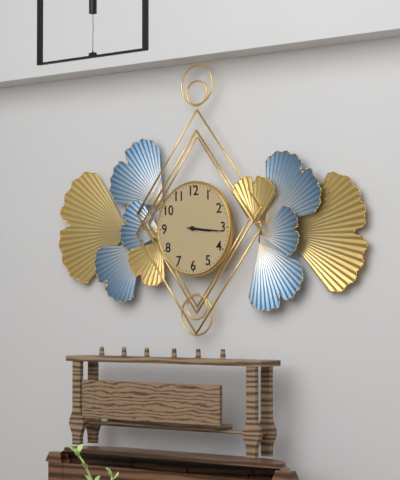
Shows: 3:16
